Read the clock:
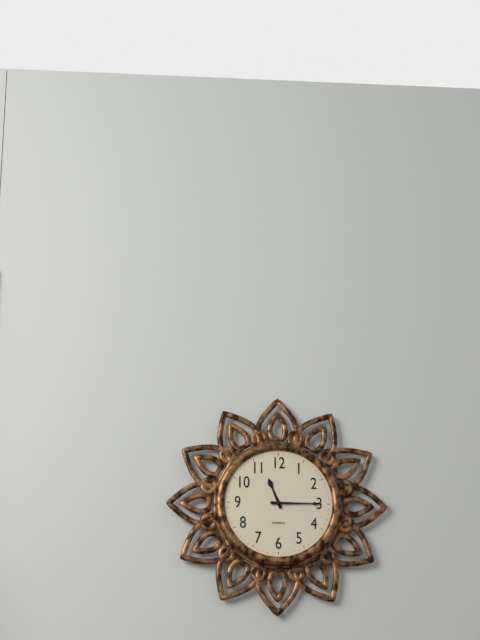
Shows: 11:15
